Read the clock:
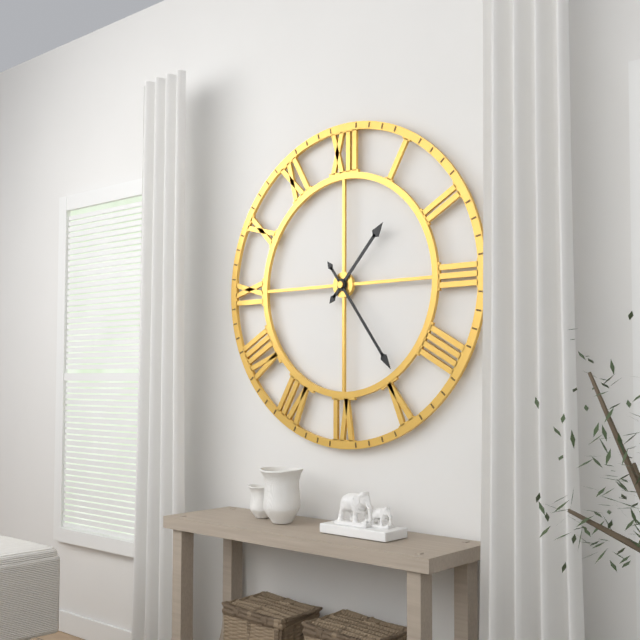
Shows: 1:24
